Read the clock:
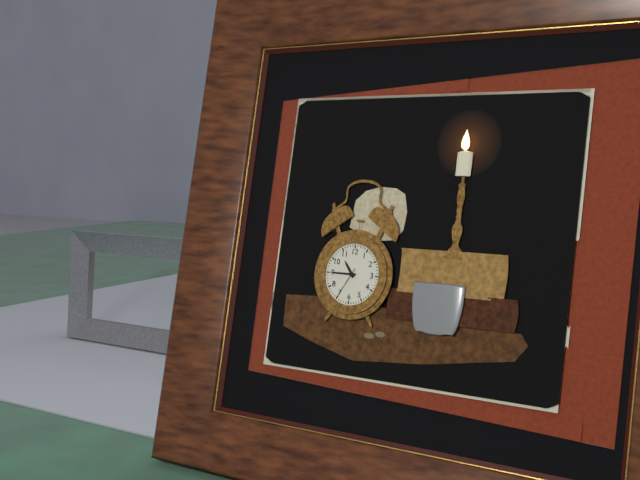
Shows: 10:45
